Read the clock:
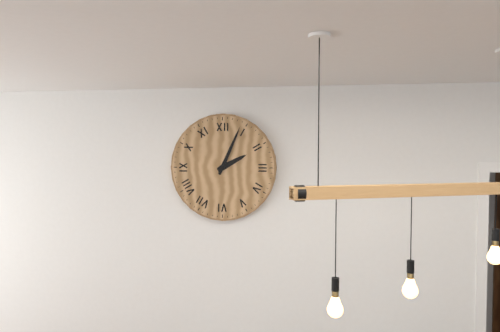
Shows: 2:04
